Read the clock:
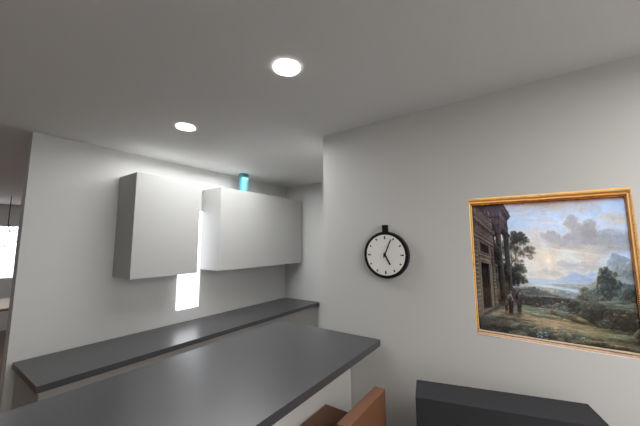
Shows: 5:04
